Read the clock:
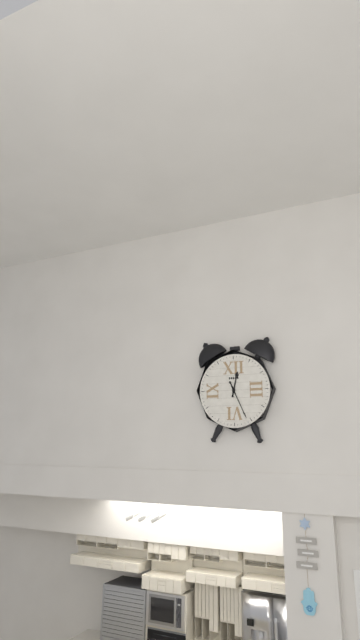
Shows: 12:26
